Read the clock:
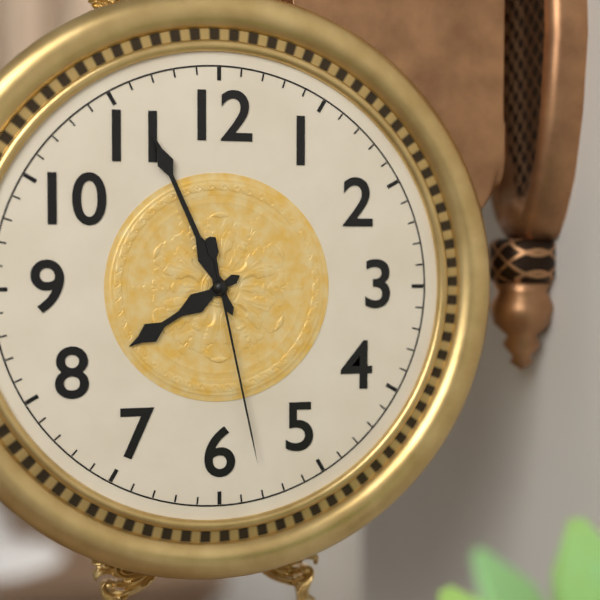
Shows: 7:56:28
